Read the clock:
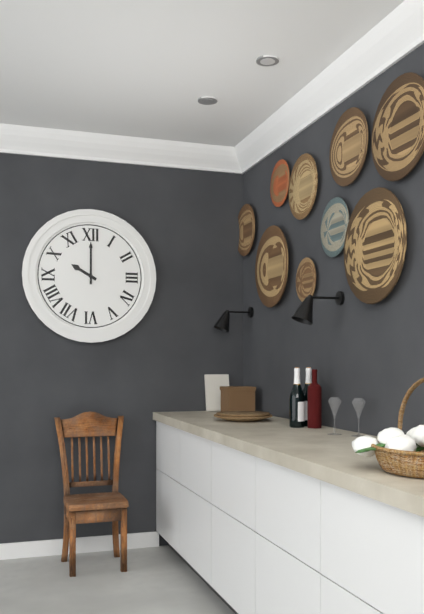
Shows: 10:00
